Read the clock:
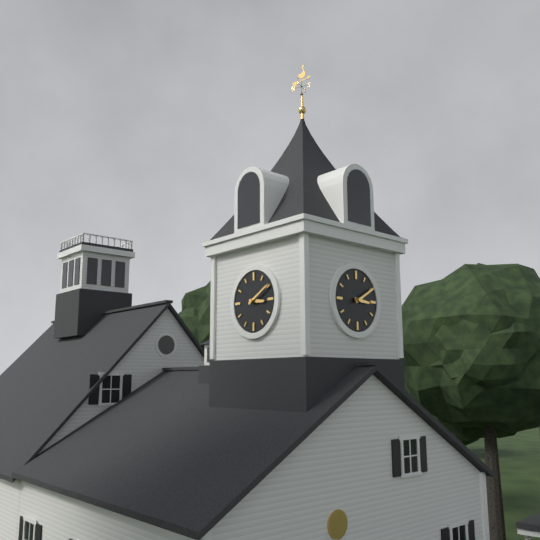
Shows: 3:10
